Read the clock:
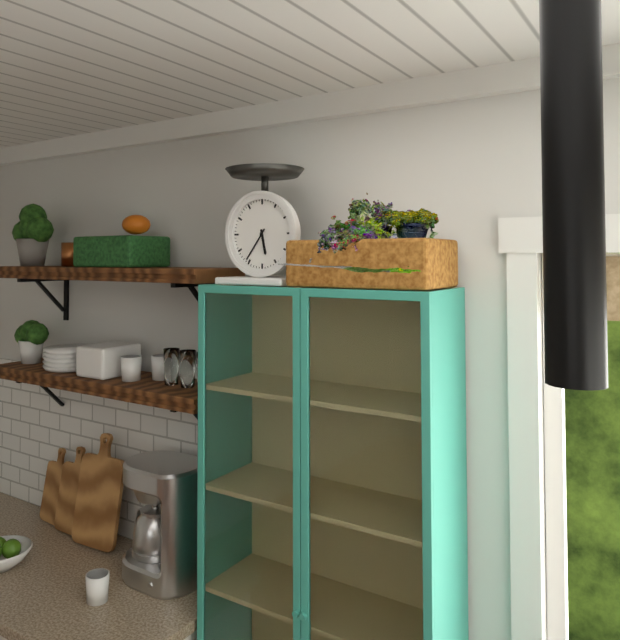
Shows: 5:36
